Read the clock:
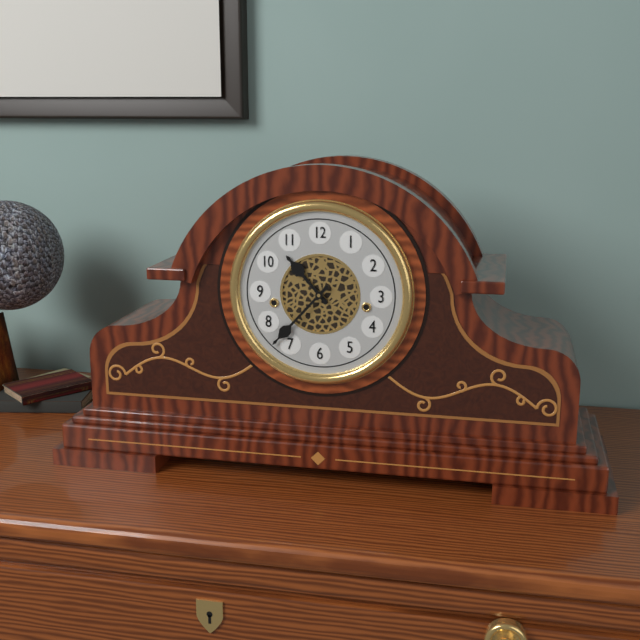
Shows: 10:37
